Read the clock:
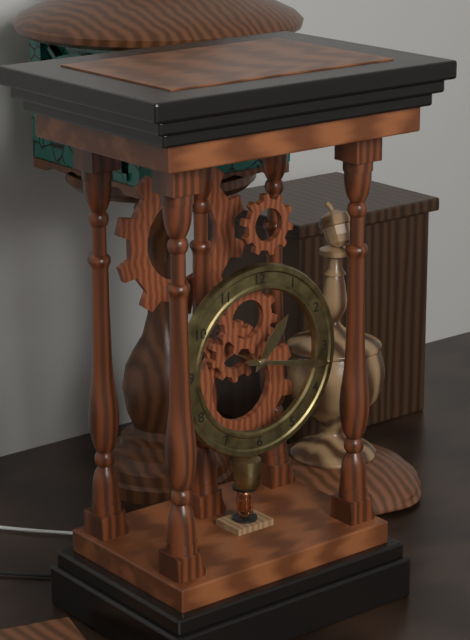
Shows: 1:17
